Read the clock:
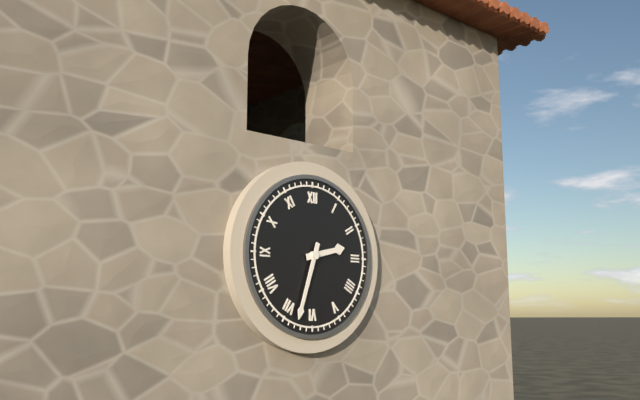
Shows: 2:33
